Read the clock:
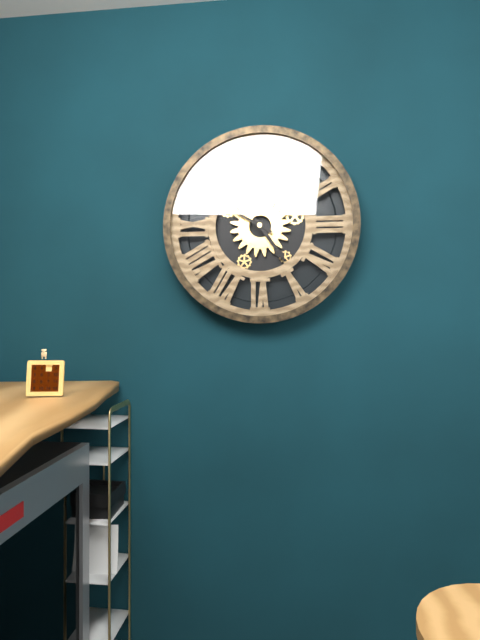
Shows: 4:50
